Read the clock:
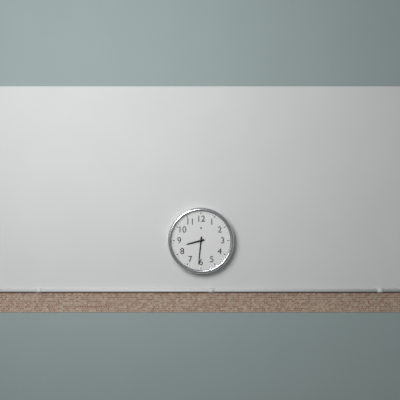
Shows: 8:31
